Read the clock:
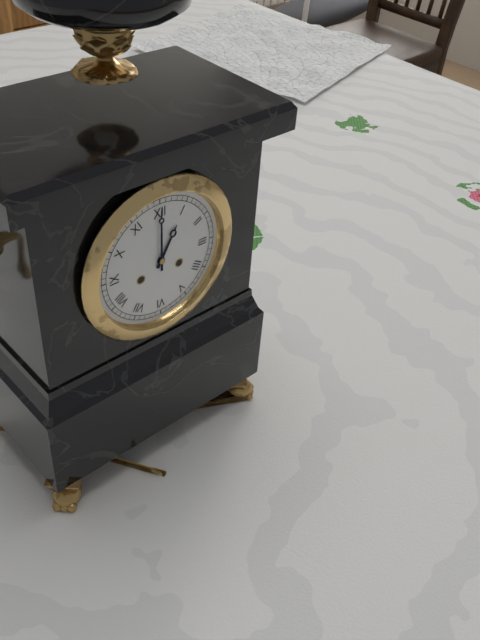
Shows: 1:00
